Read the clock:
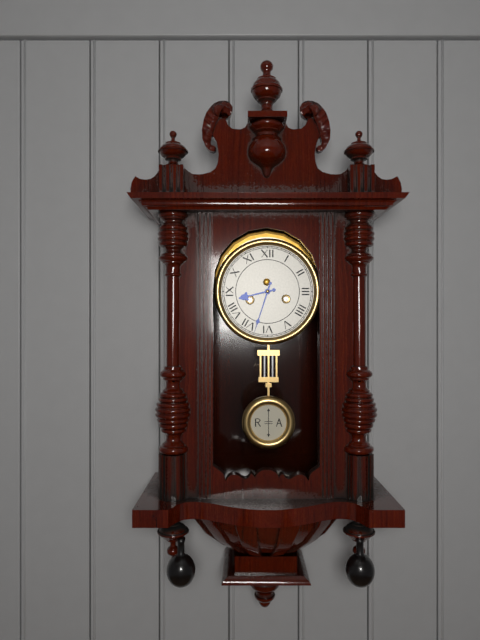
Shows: 8:33
